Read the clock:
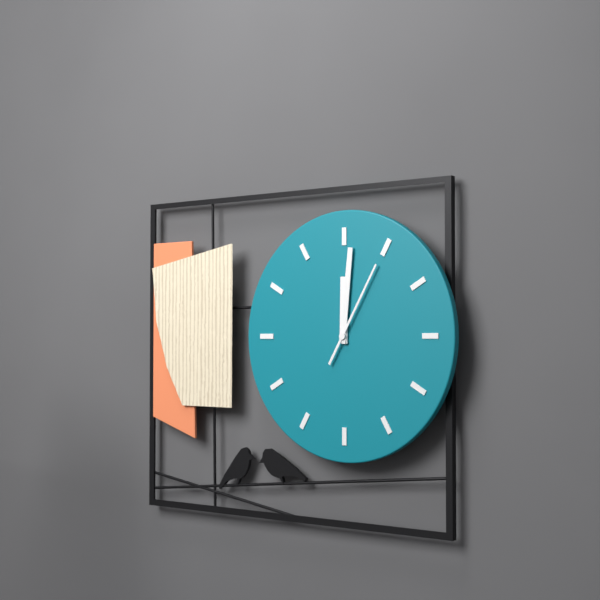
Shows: 12:01:05
